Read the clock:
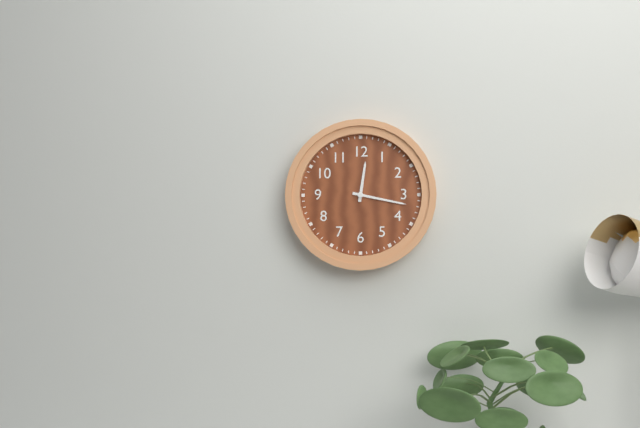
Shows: 12:17
